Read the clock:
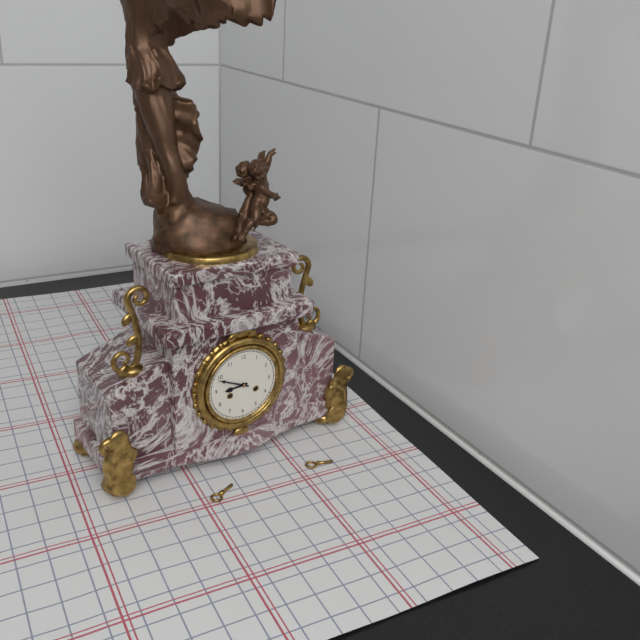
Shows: 8:49
